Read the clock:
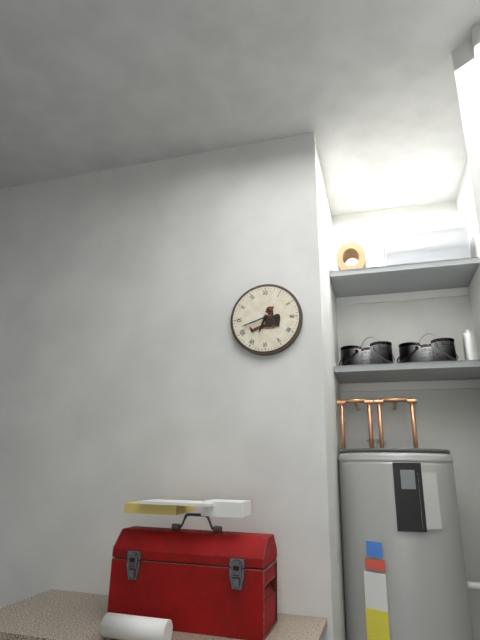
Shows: 6:42
